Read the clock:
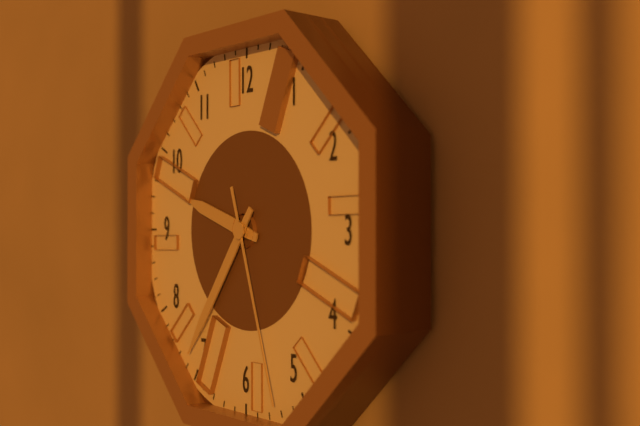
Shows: 9:36:27
